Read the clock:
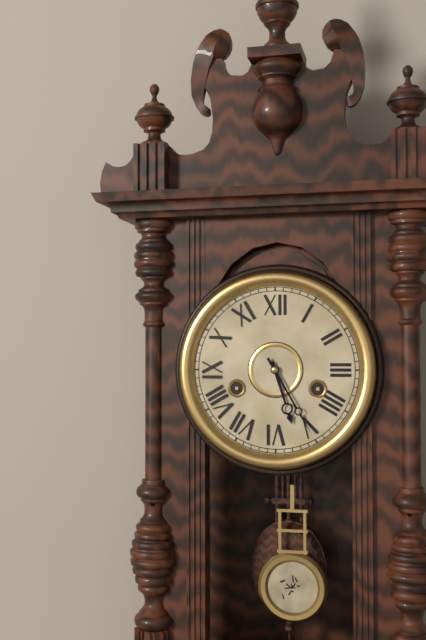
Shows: 5:25
